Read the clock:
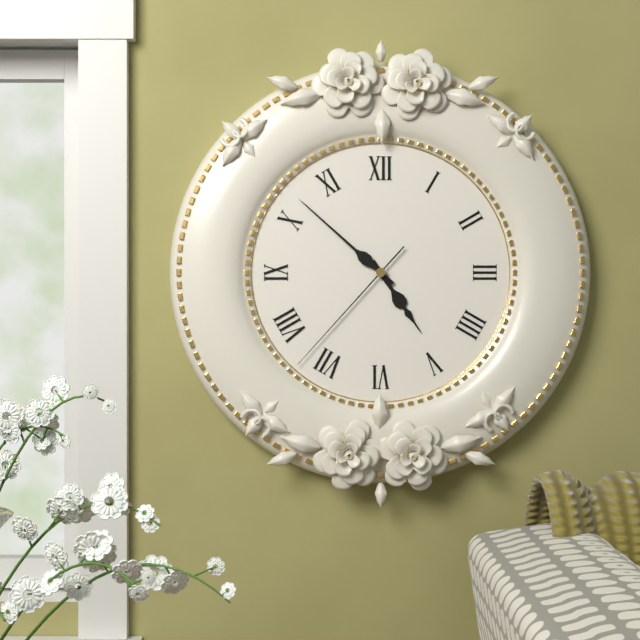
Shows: 4:52:37
